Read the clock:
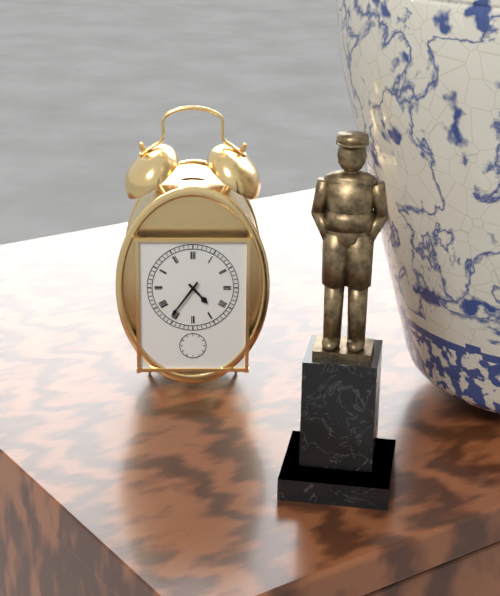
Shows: 4:36
